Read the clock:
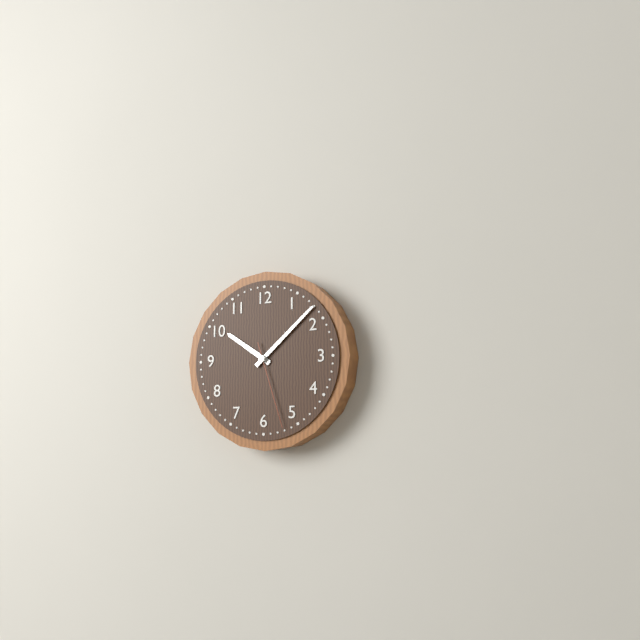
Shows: 10:08:27
